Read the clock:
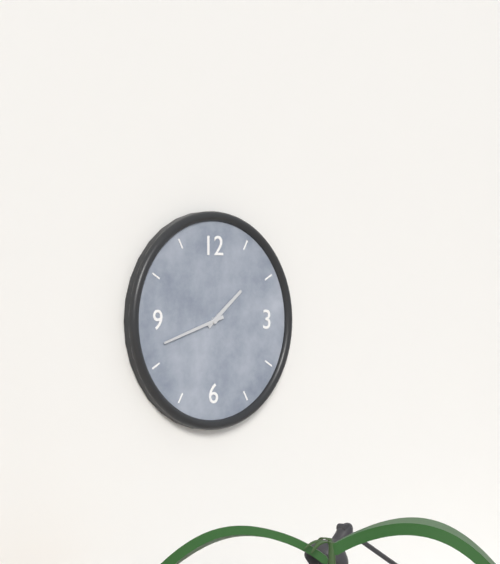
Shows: 1:42
